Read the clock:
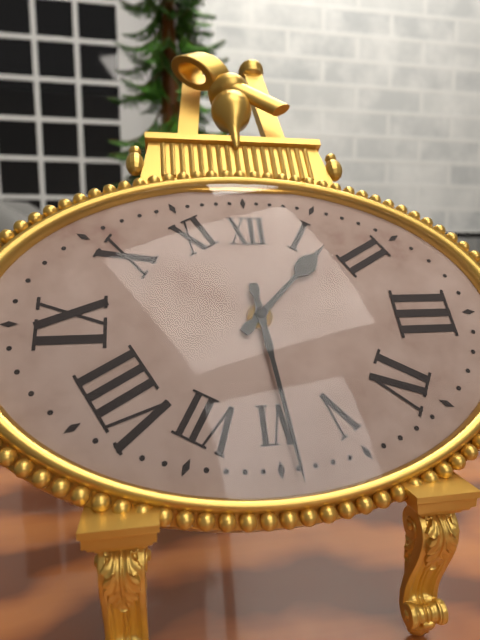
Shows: 1:29
